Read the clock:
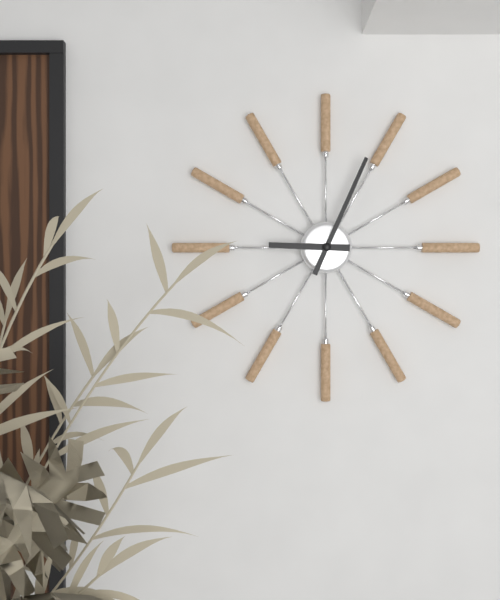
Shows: 9:04
